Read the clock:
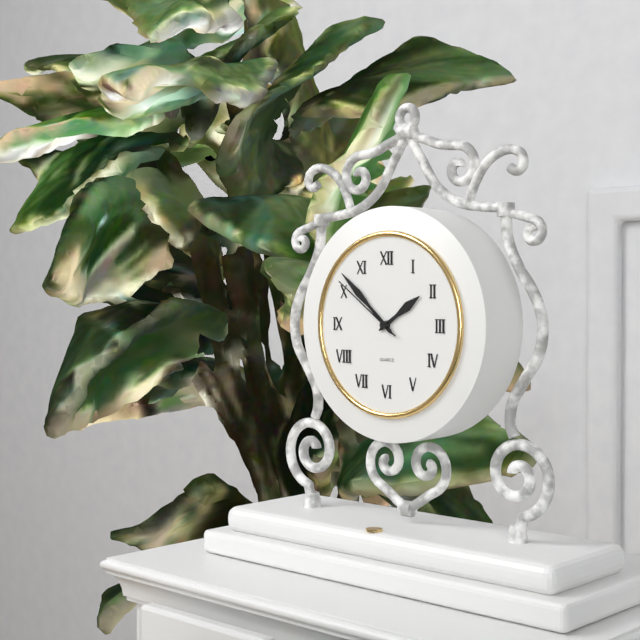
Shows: 1:52:51
